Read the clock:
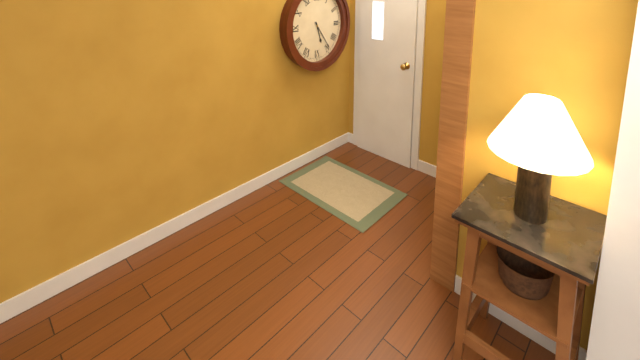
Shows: 5:24
